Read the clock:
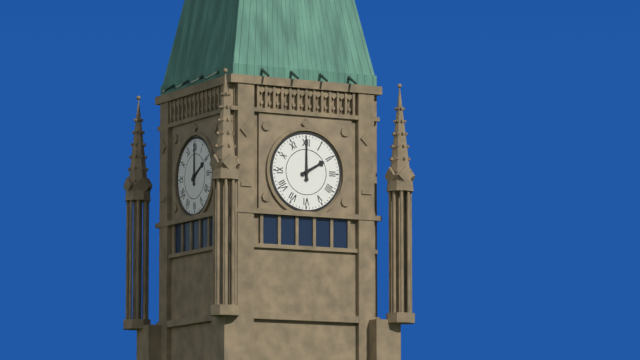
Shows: 2:00
